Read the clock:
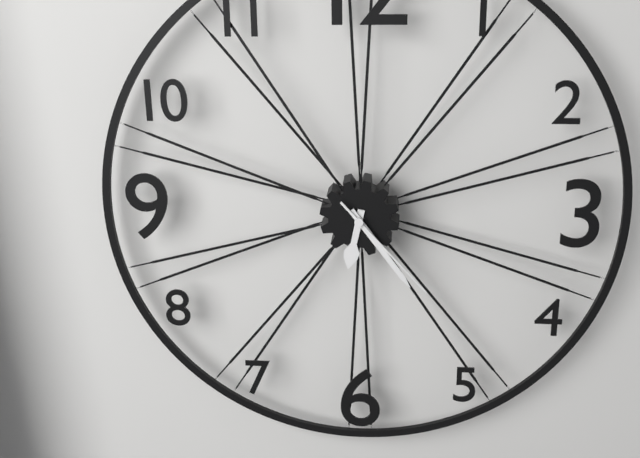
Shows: 6:24:23
